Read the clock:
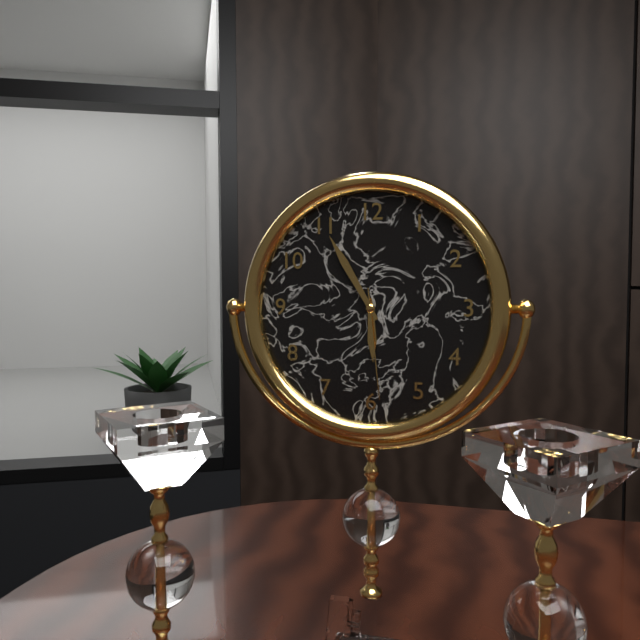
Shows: 5:55:29
